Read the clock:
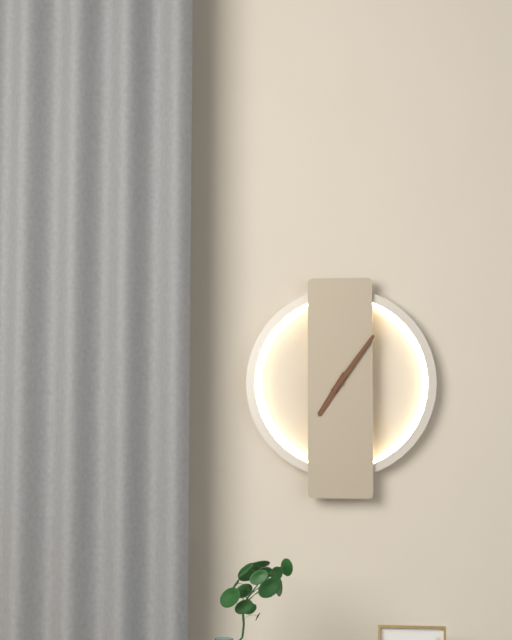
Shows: 7:06
